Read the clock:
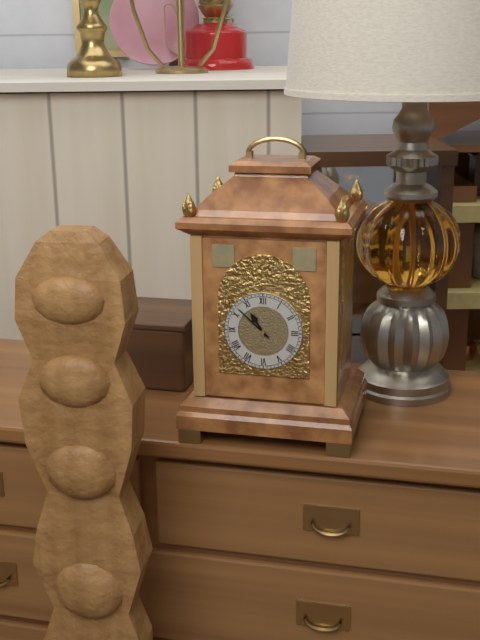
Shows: 10:52
